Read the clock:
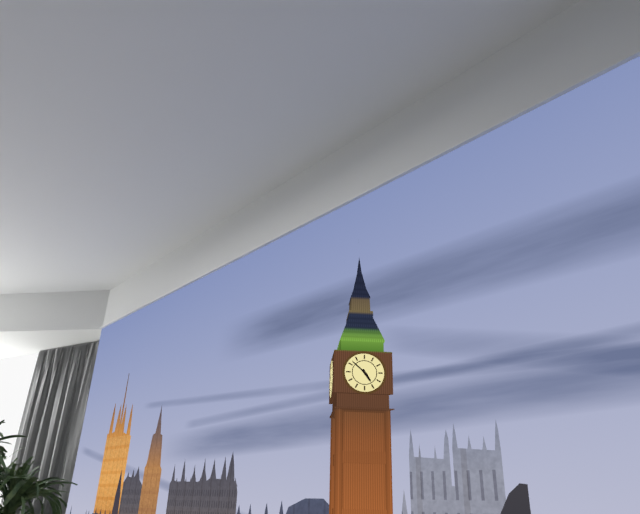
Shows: 4:52
